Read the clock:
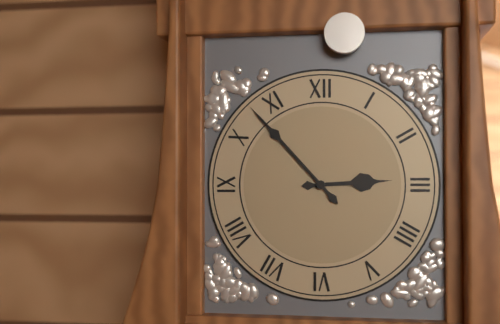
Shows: 2:53
